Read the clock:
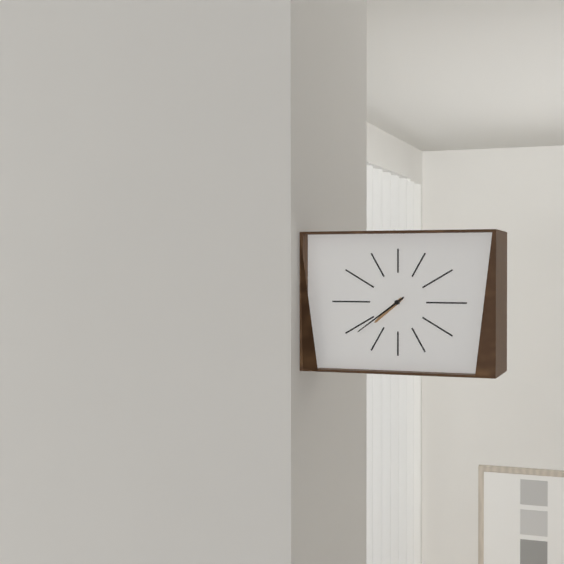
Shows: 7:39
